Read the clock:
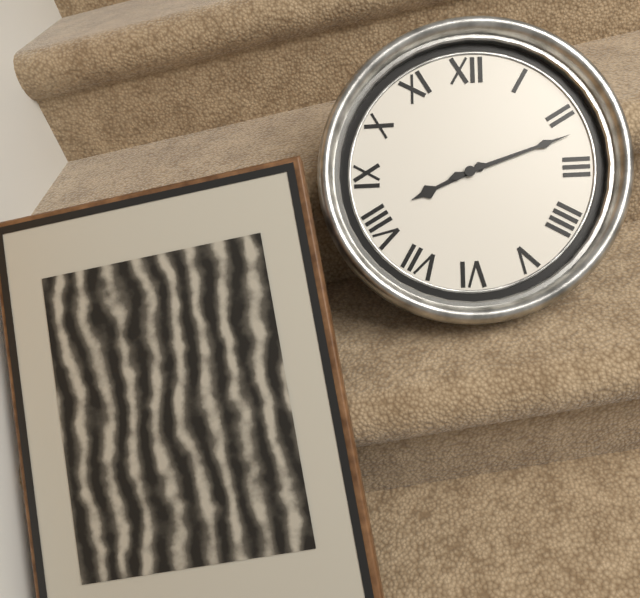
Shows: 8:12
